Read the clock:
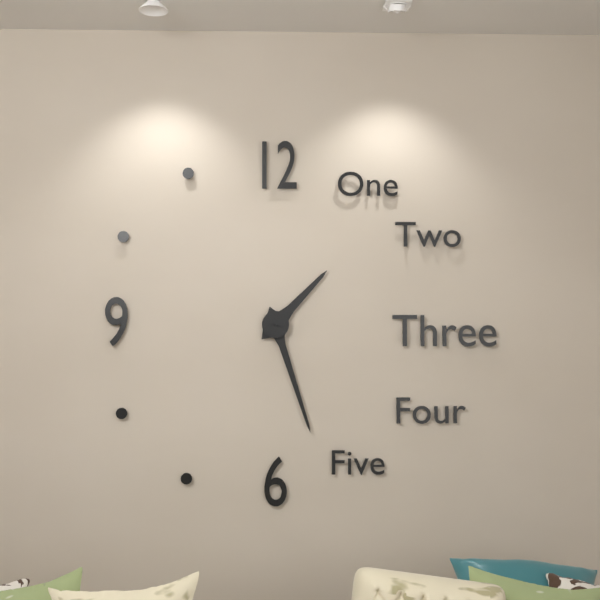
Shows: 1:27
